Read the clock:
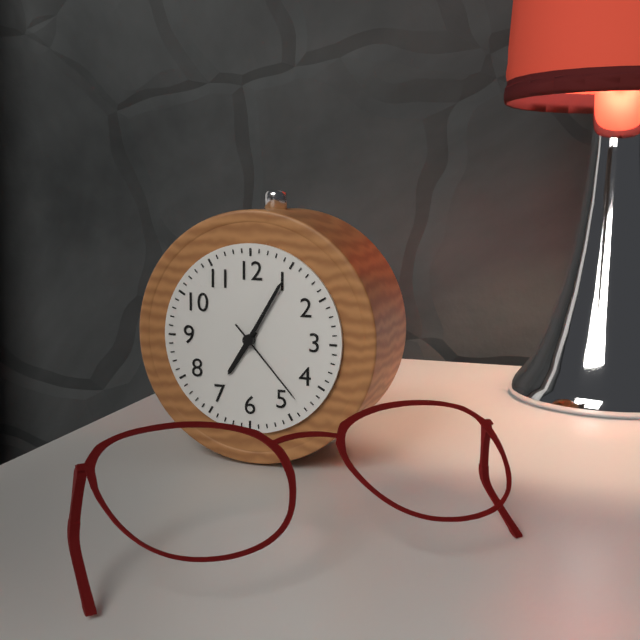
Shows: 7:05:23
